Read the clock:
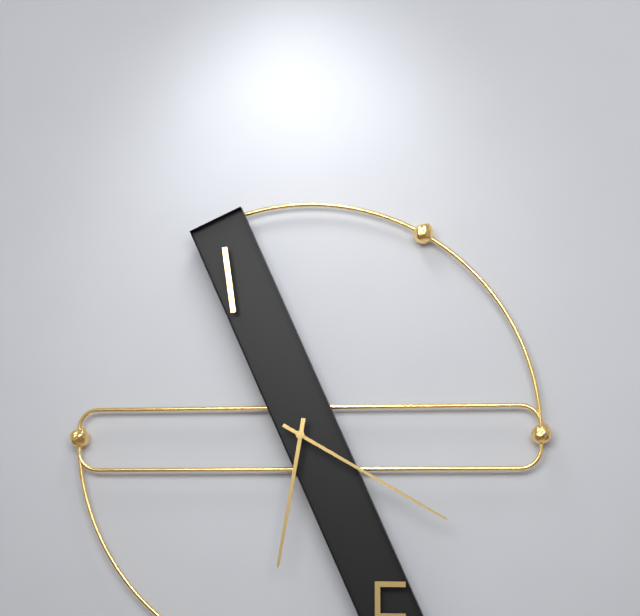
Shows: 6:20
